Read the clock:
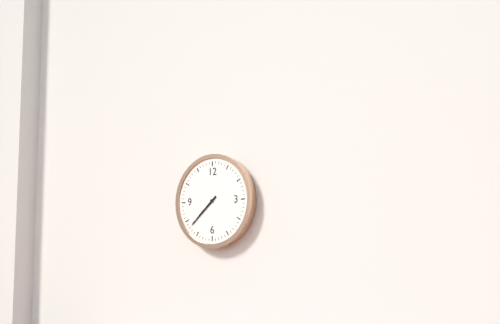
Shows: 7:38
